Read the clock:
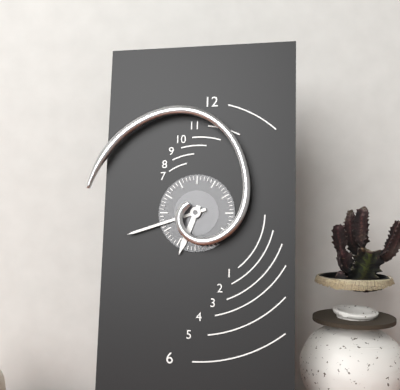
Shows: 6:42
